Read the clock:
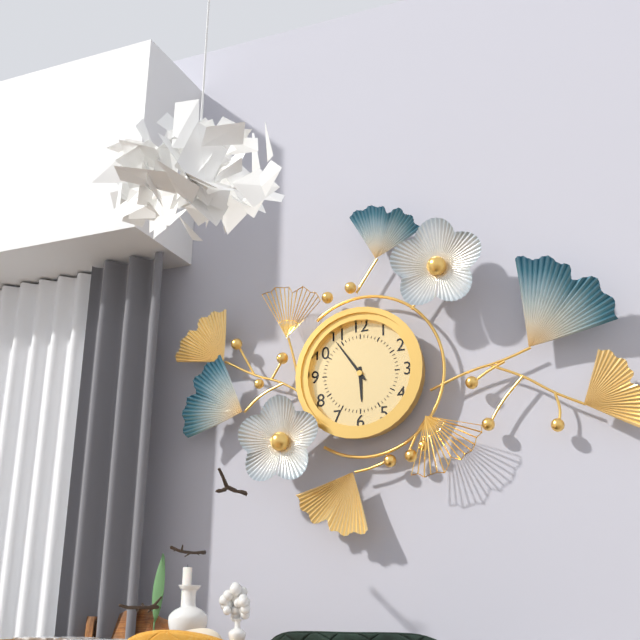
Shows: 5:54
